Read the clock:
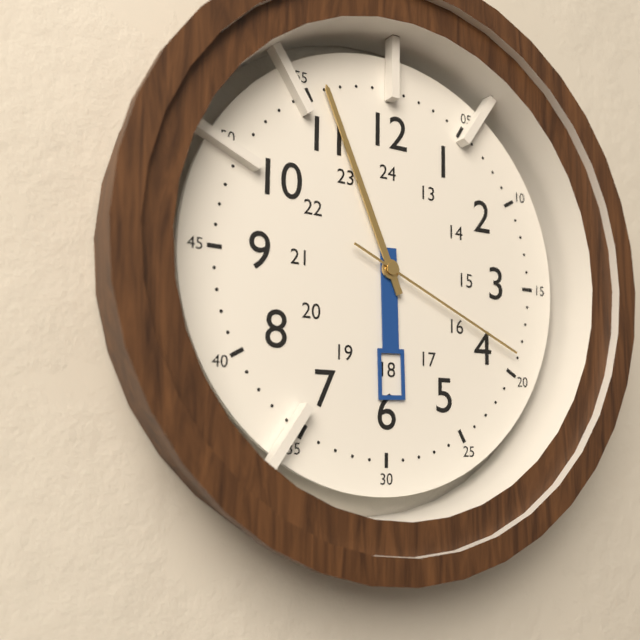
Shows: 5:56:19
